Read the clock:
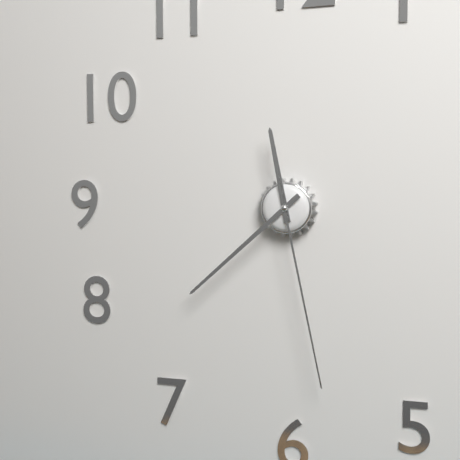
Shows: 11:38:28
